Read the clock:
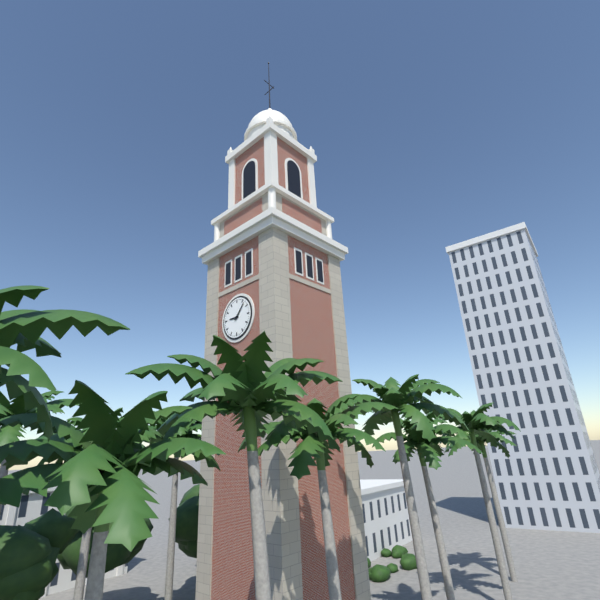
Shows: 9:07
